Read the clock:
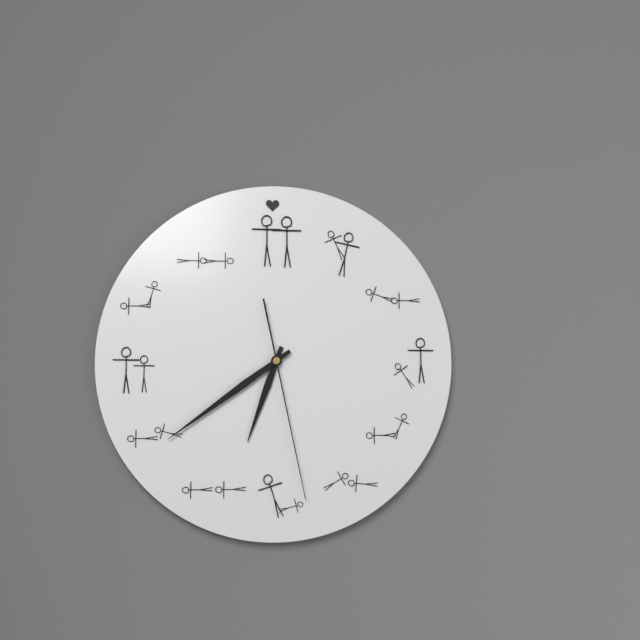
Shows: 6:39:28
